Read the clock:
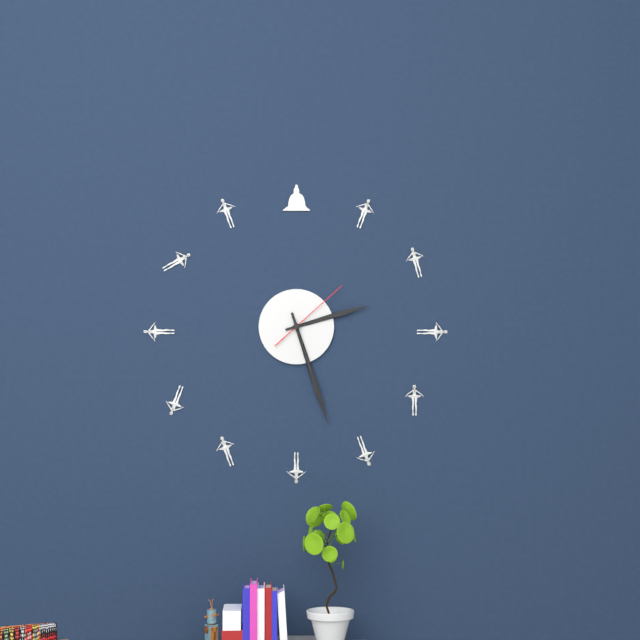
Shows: 2:27:08
